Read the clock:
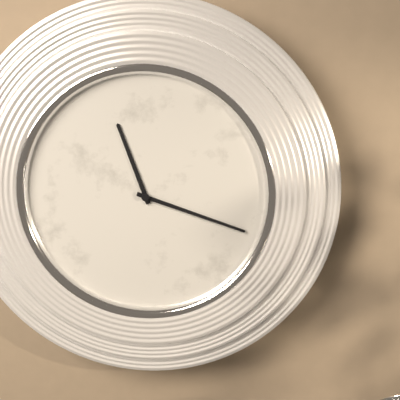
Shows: 11:18
